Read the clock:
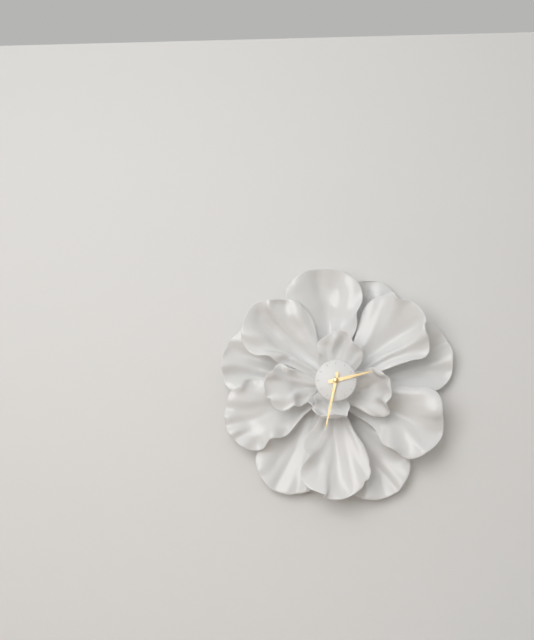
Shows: 2:32
